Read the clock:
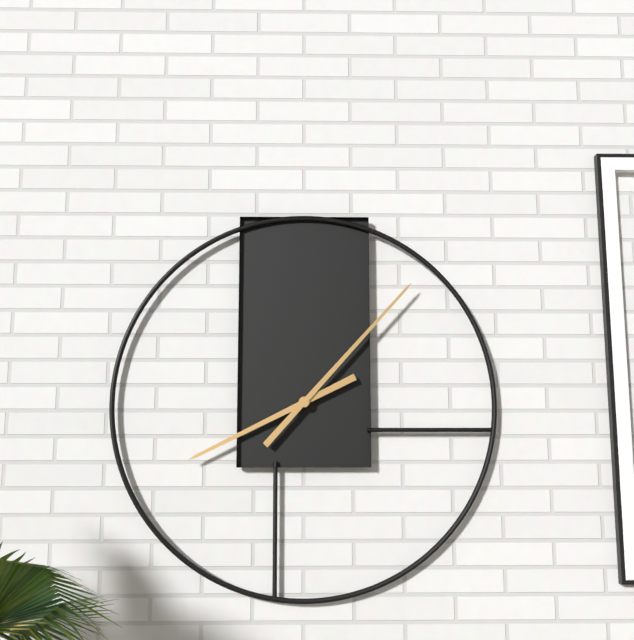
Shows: 8:07
